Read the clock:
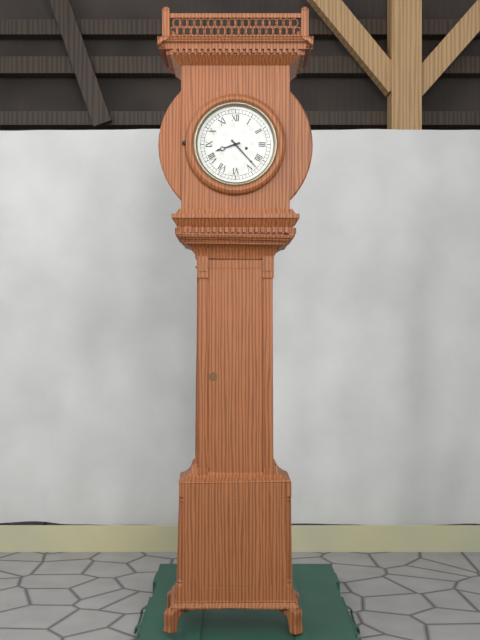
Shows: 8:23
